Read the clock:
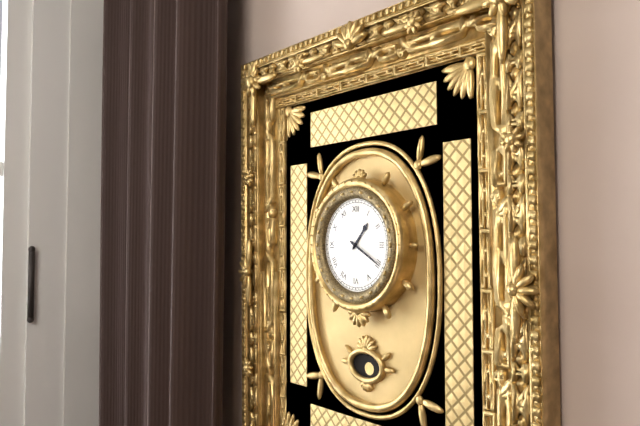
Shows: 1:20
